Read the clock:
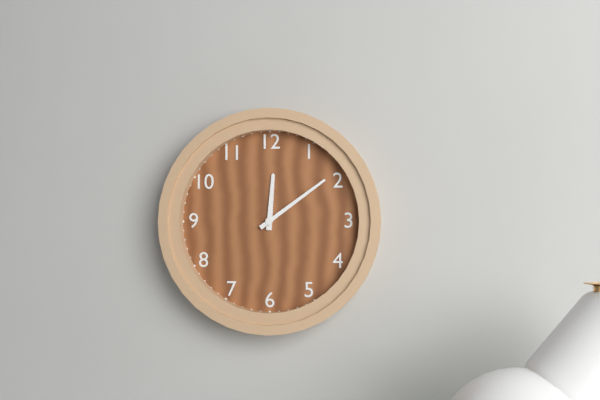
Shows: 12:09
